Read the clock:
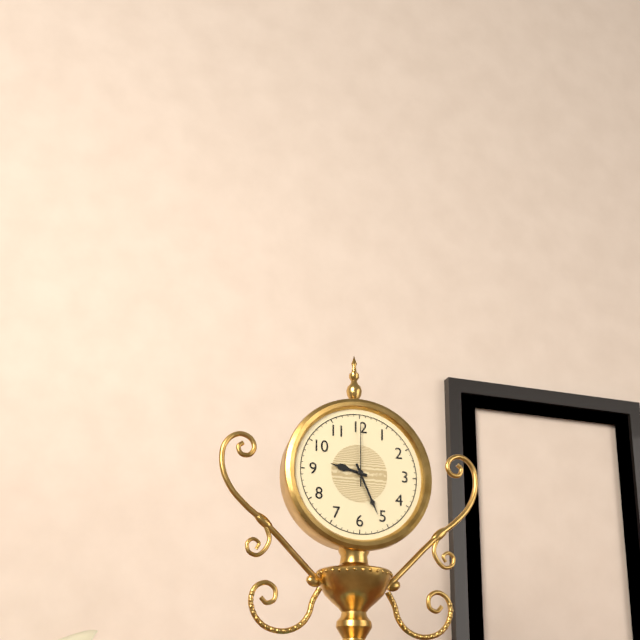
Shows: 9:26:00
